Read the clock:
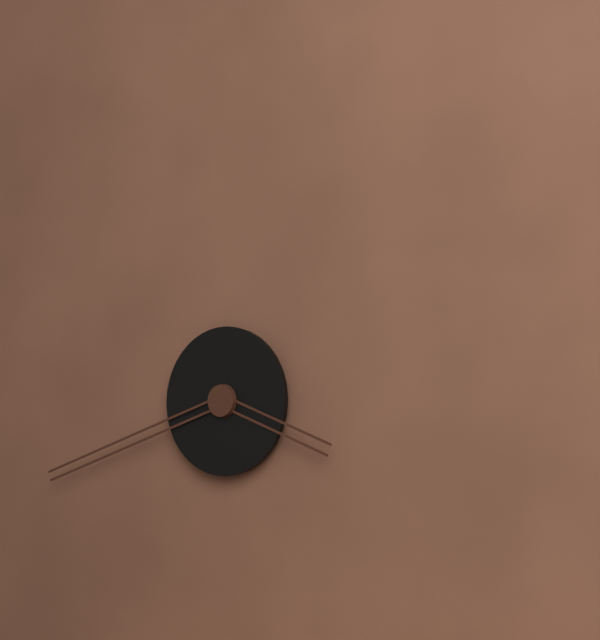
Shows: 3:42
